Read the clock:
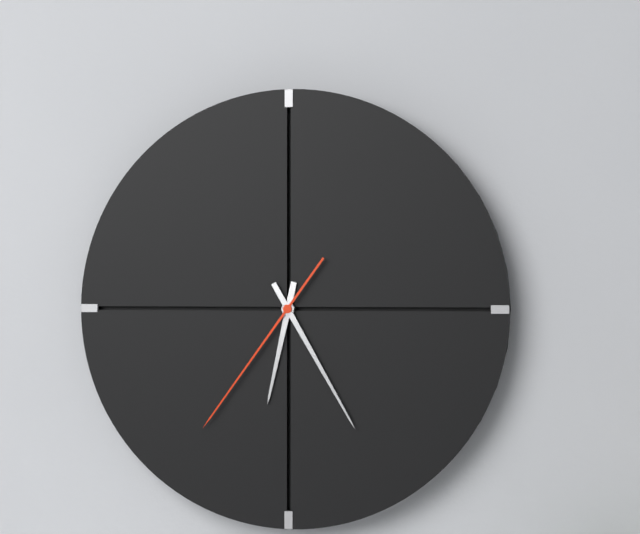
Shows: 6:25:36
